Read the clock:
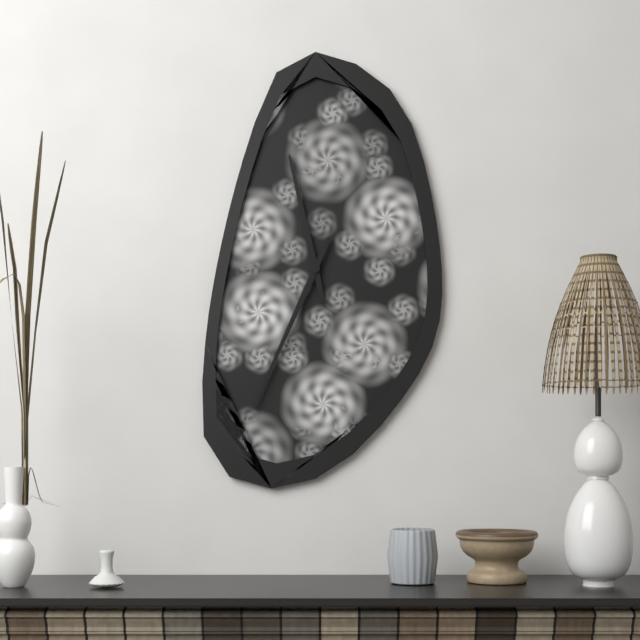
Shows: 11:34
